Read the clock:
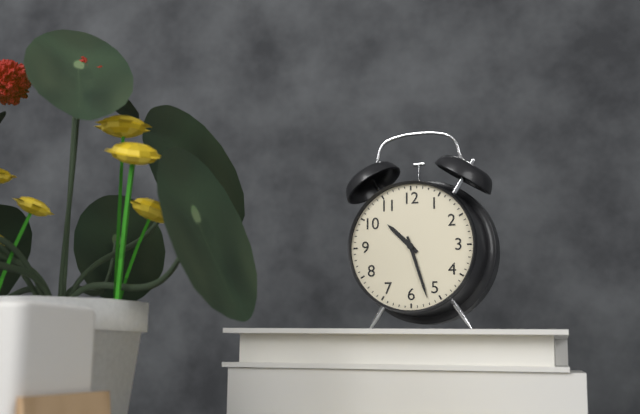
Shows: 10:27
